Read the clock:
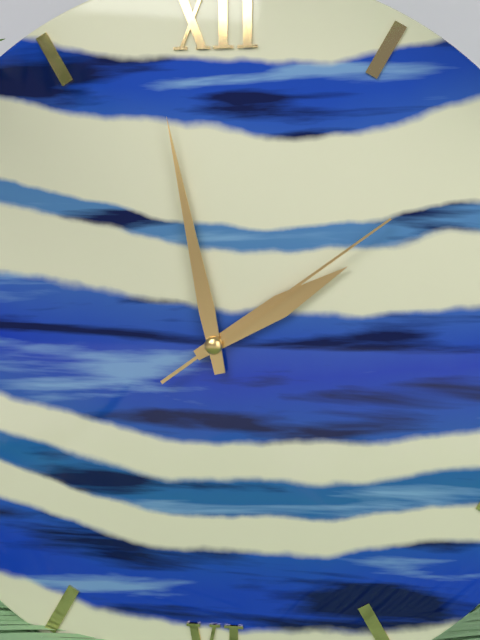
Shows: 1:58:09
